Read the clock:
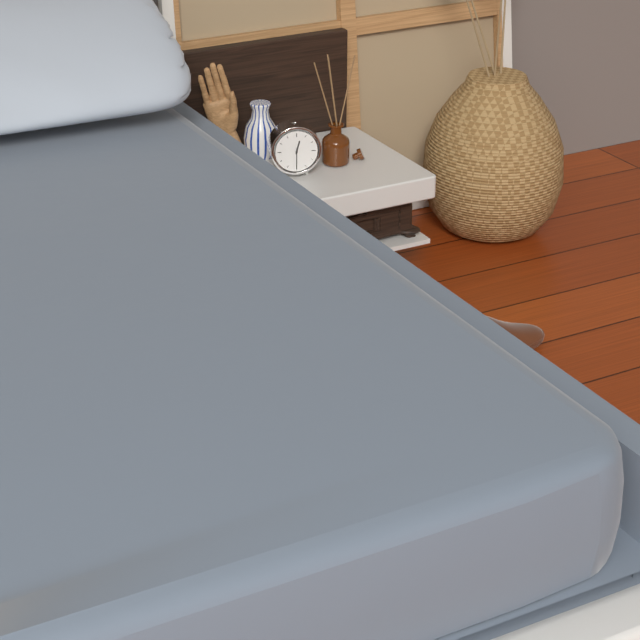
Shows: 12:30
